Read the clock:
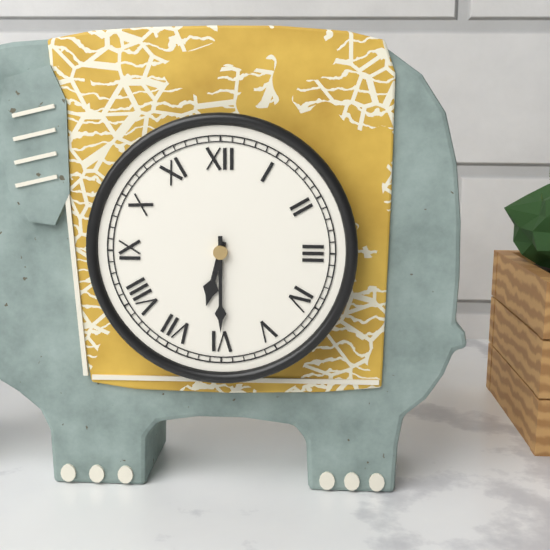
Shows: 6:30
